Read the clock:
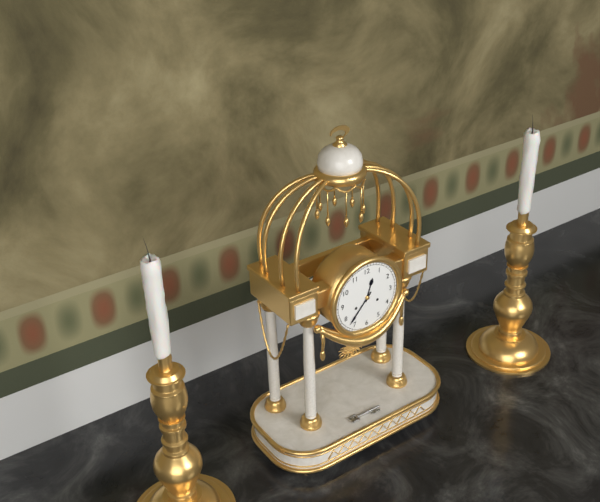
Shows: 12:37
